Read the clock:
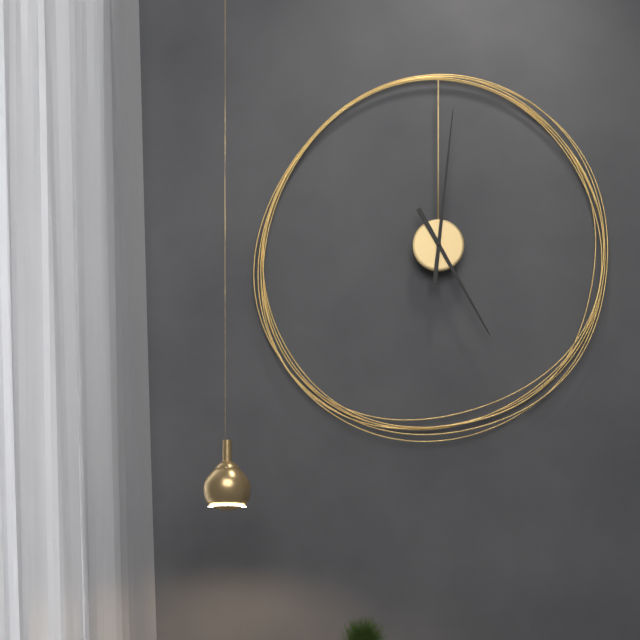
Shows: 5:01
